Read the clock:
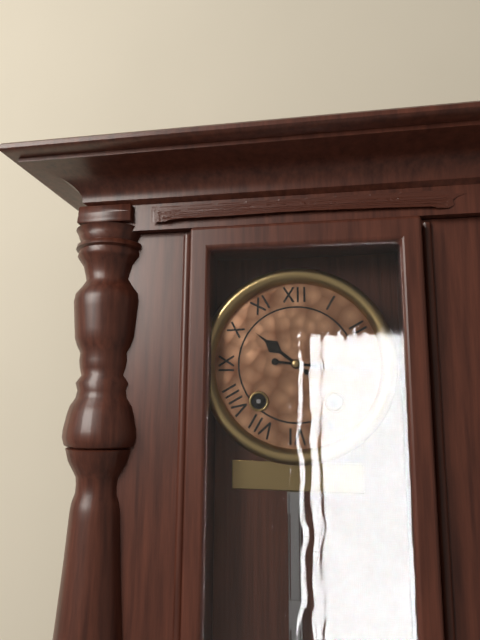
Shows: 10:16
